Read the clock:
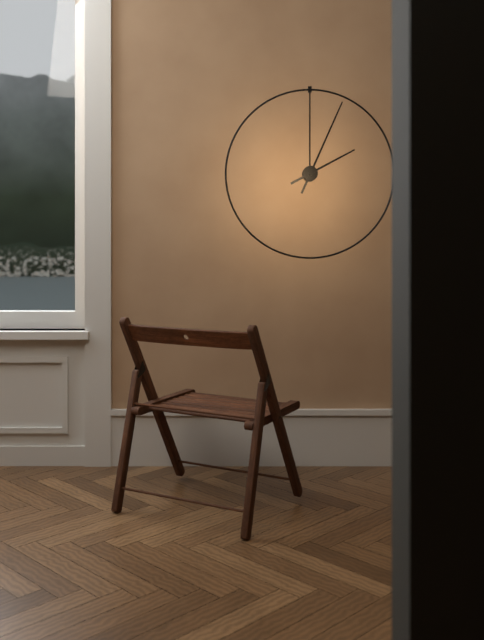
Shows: 2:04
